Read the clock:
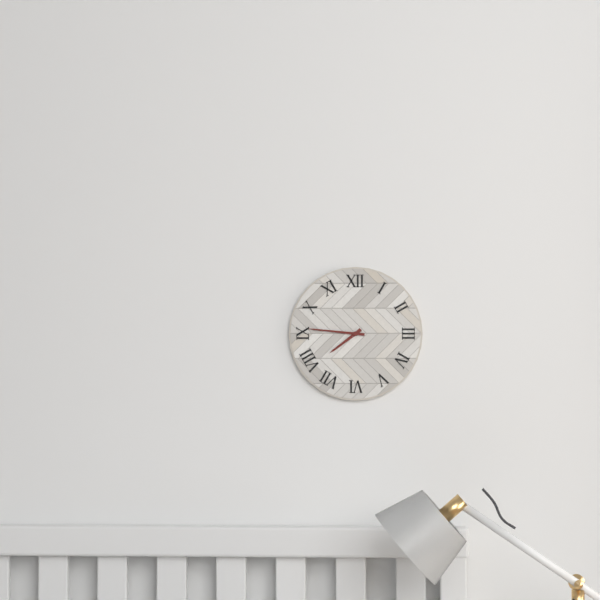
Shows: 7:46
